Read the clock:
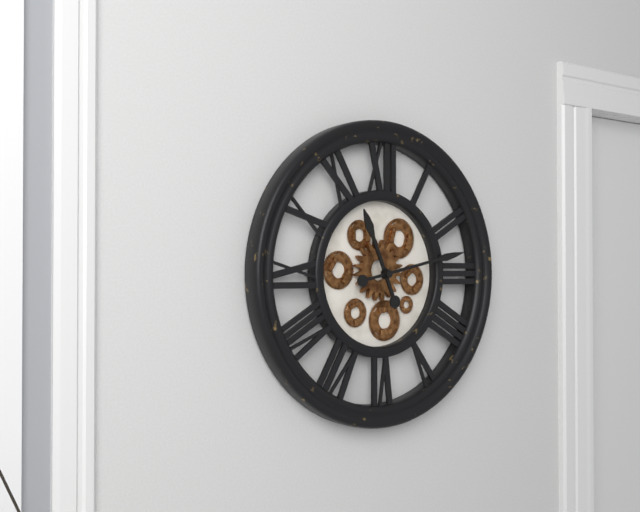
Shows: 11:13
